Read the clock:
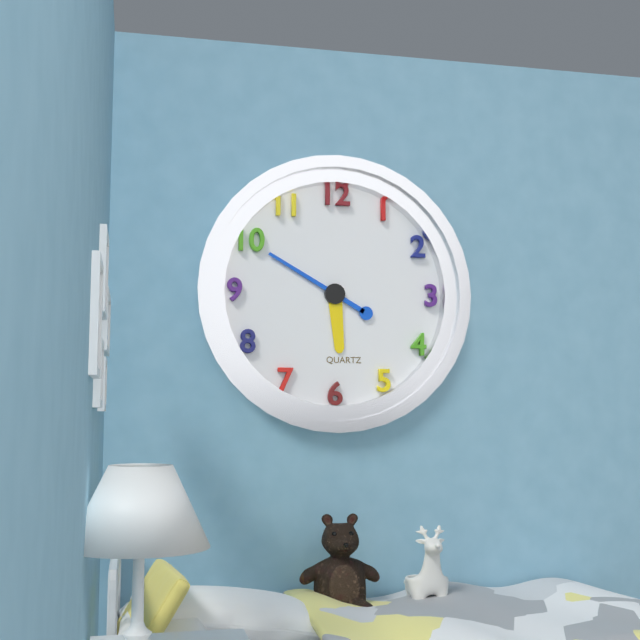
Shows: 5:50
